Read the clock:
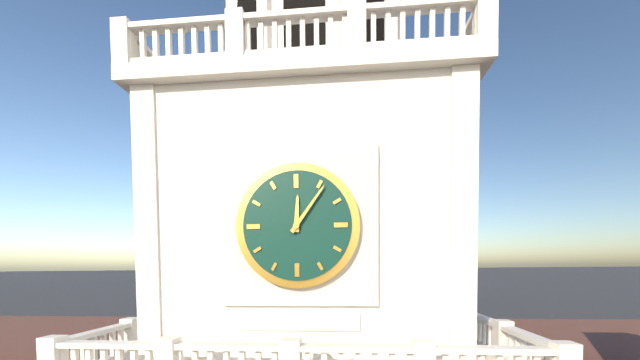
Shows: 12:06
